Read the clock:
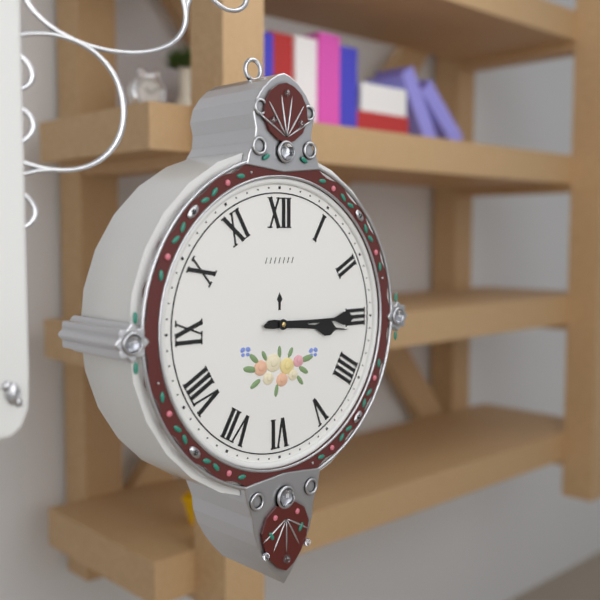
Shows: 3:15
